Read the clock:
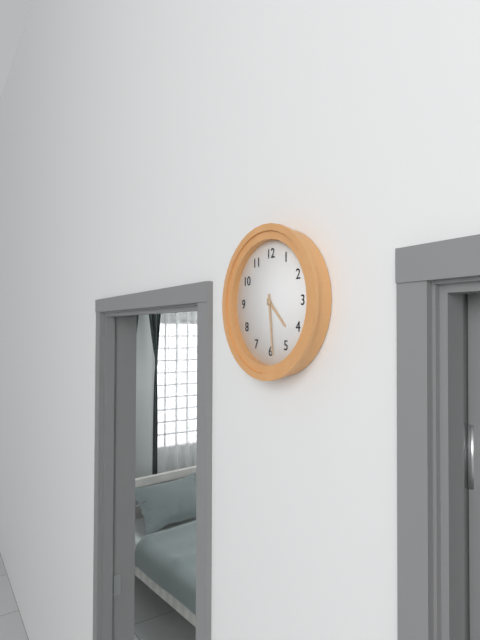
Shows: 4:29
